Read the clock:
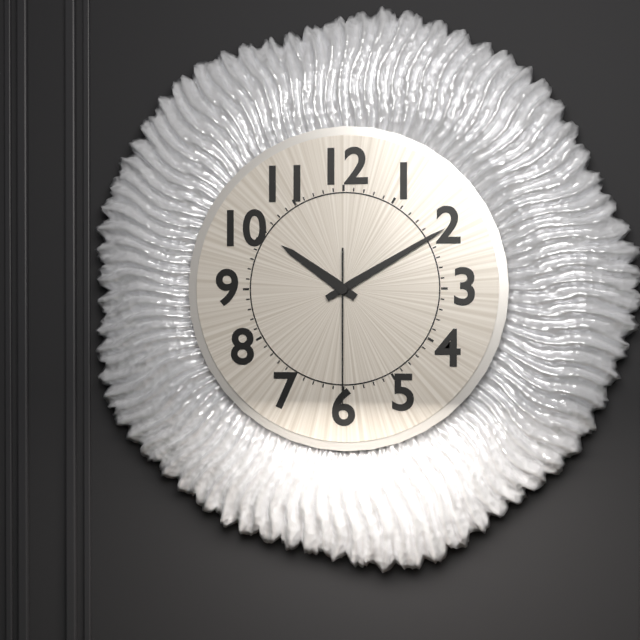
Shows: 10:10:30
